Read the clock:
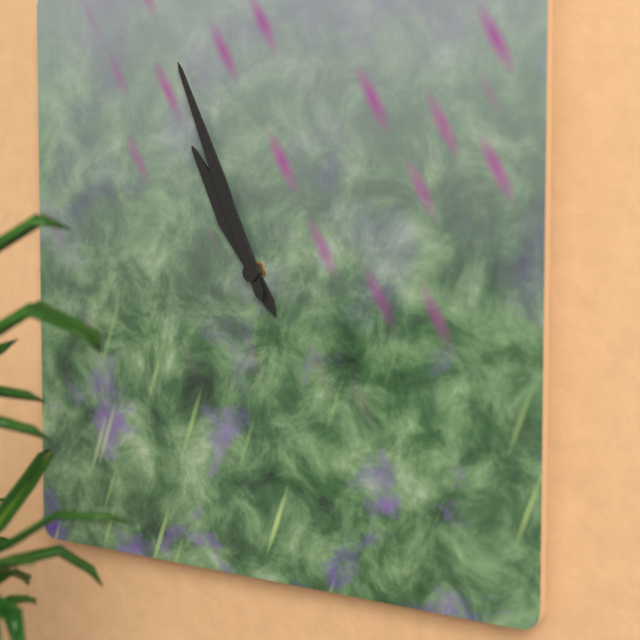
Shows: 10:56
